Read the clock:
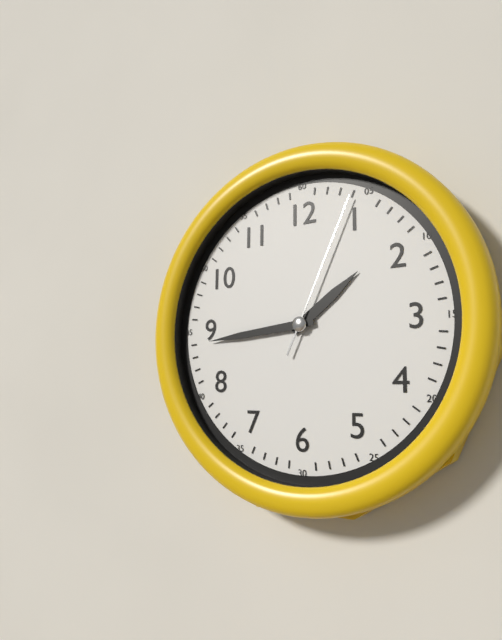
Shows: 1:44:04
